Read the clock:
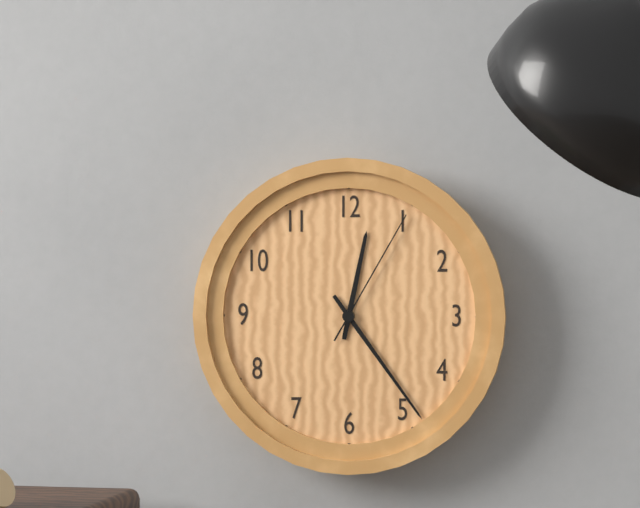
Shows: 12:24:05
